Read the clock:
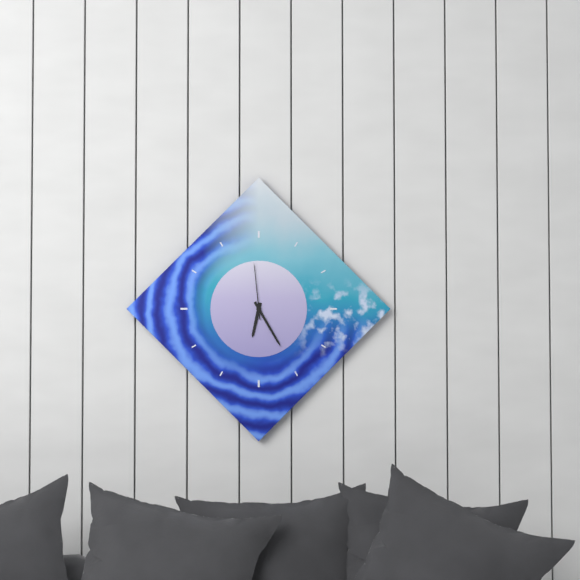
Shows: 6:25:59
